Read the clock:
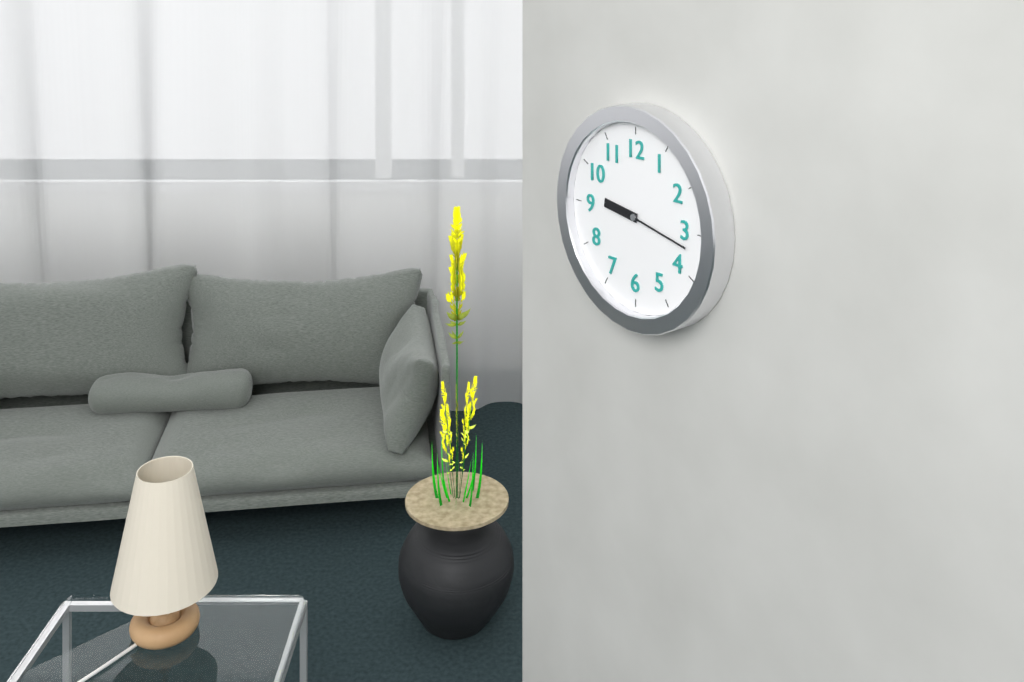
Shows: 9:17
